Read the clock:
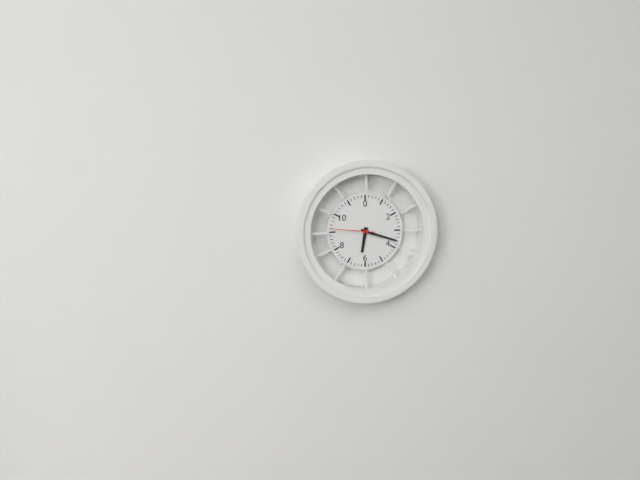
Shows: 6:18
